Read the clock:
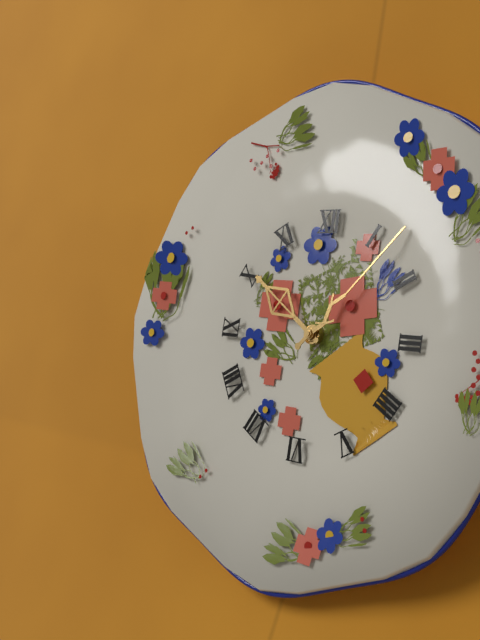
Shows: 10:07
